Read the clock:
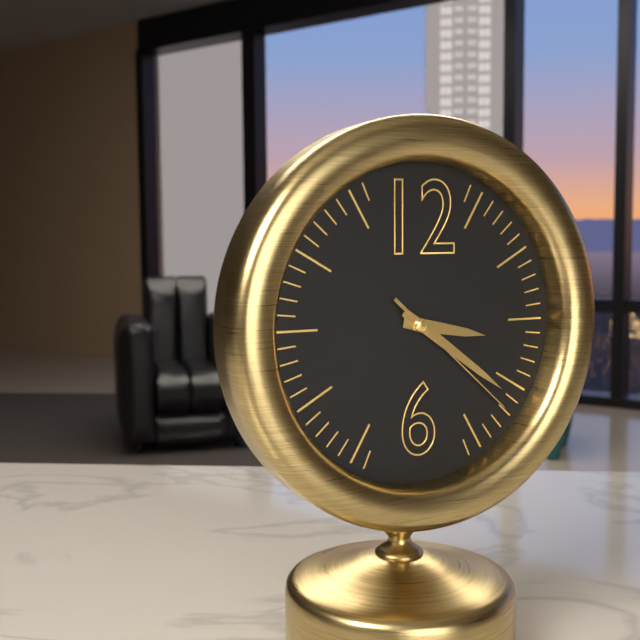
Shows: 3:21:22
